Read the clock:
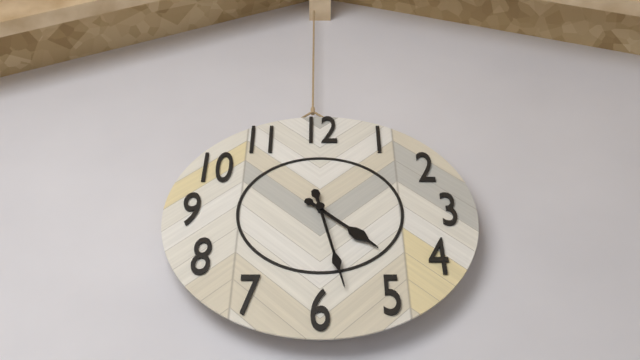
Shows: 4:28
